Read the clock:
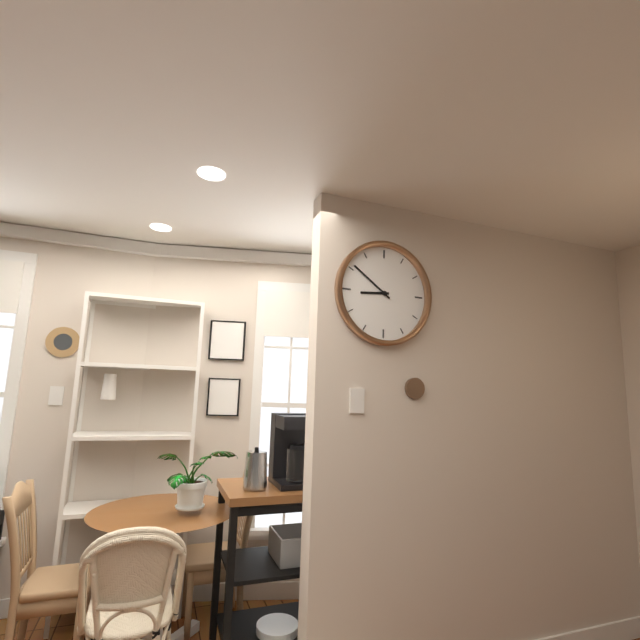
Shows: 8:51
